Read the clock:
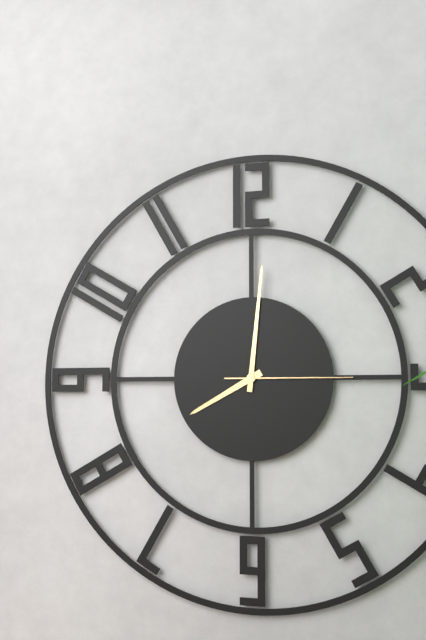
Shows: 8:01:15
